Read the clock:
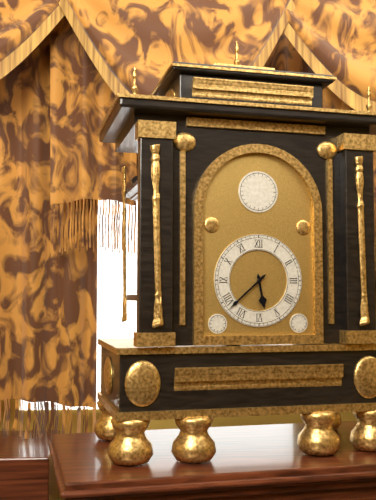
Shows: 5:38
